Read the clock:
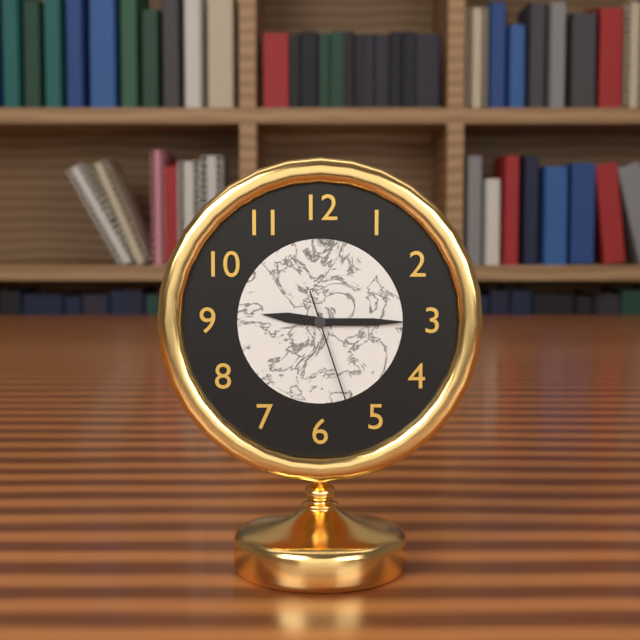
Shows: 9:15:27
